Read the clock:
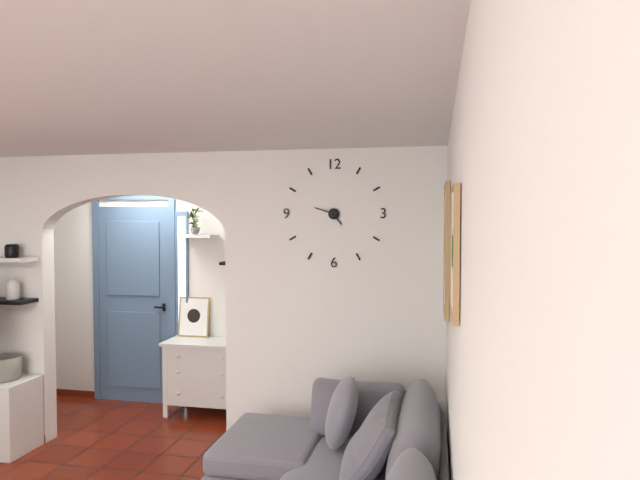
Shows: 4:48
